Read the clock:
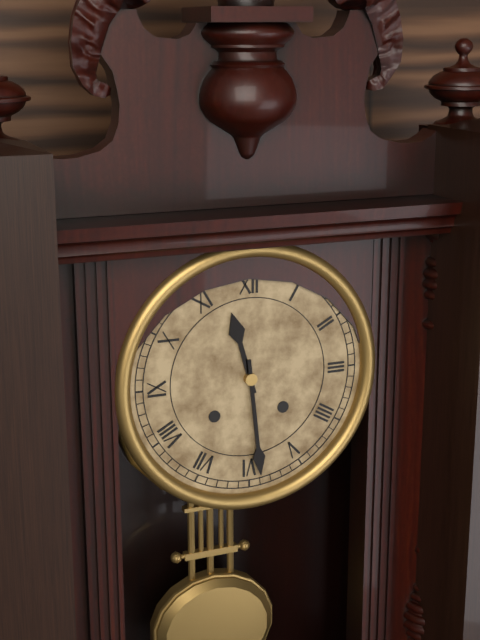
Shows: 11:29
